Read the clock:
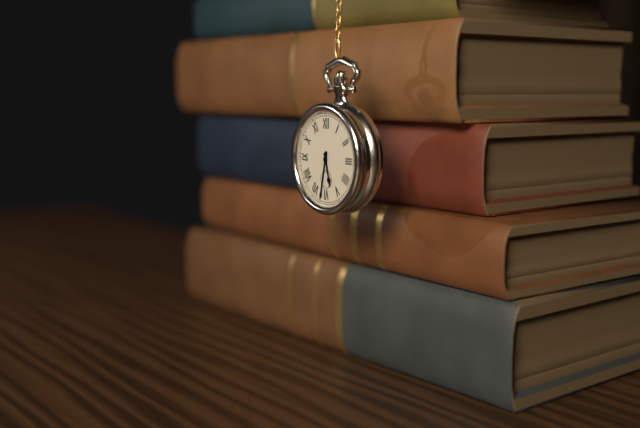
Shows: 5:32
